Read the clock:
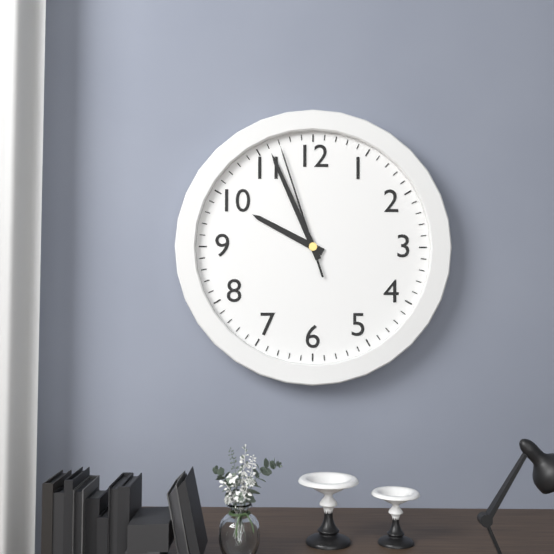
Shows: 9:56:57
